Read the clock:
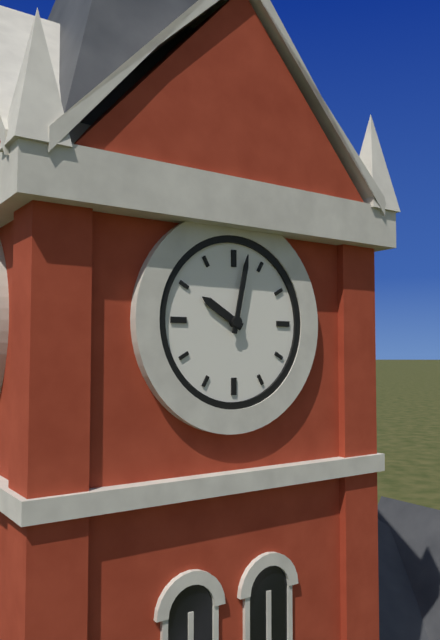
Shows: 10:02
